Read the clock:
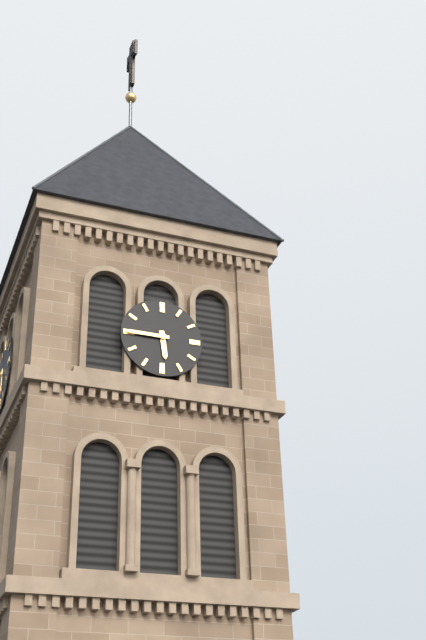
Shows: 5:45
